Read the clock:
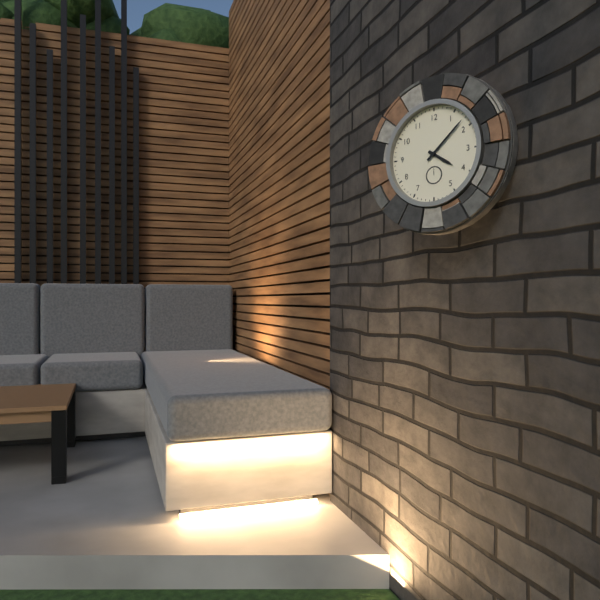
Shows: 4:08
